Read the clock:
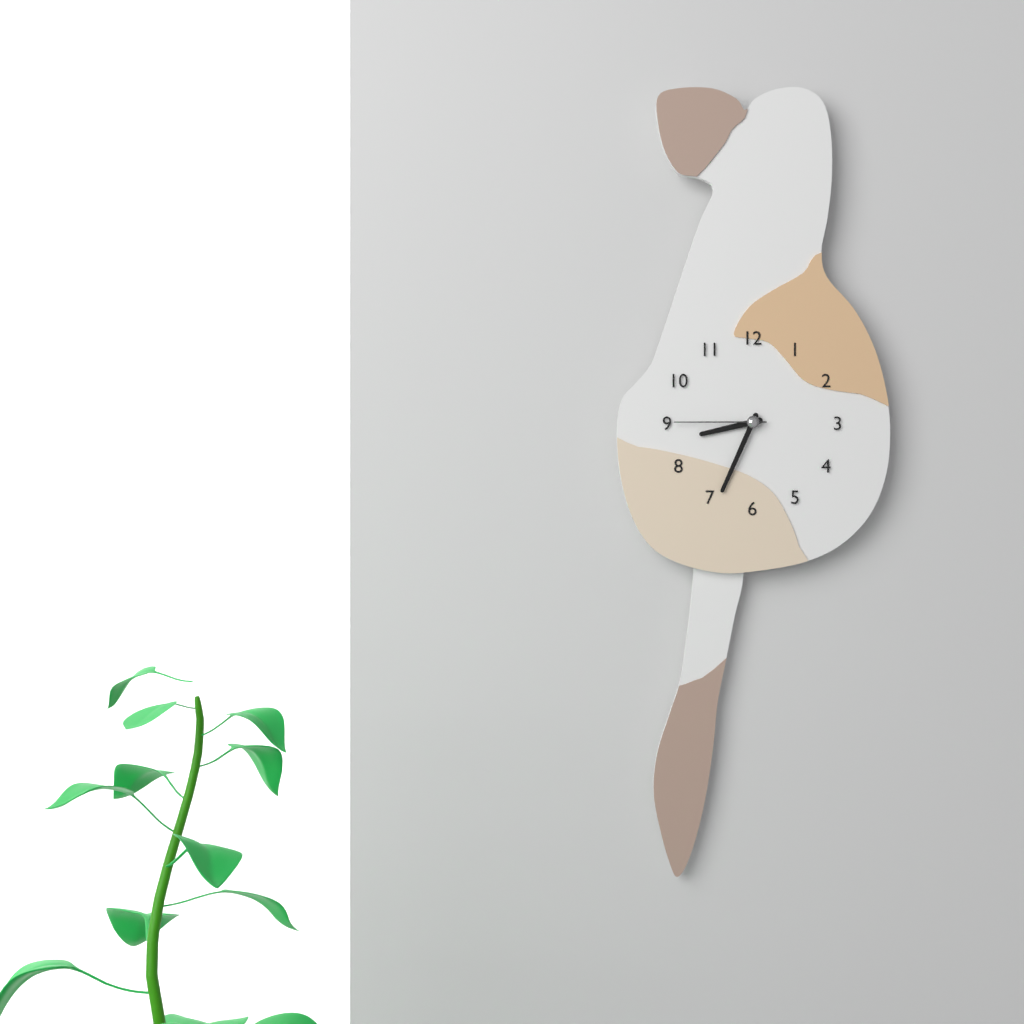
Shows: 8:34:45
